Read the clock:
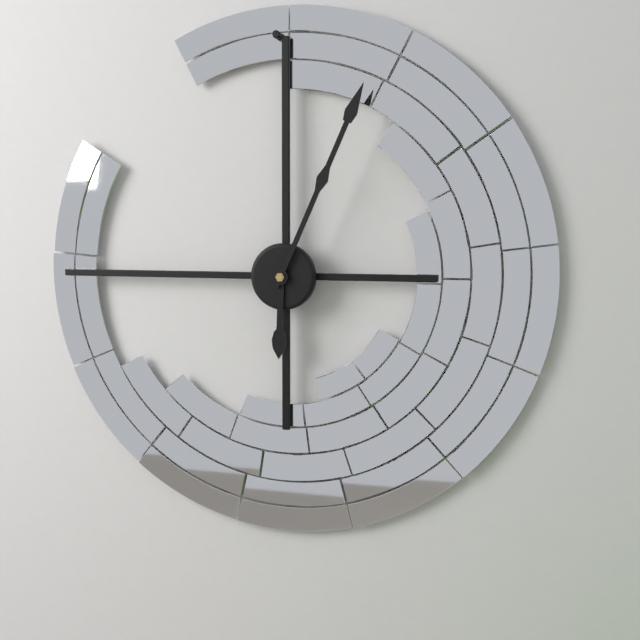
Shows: 6:04
